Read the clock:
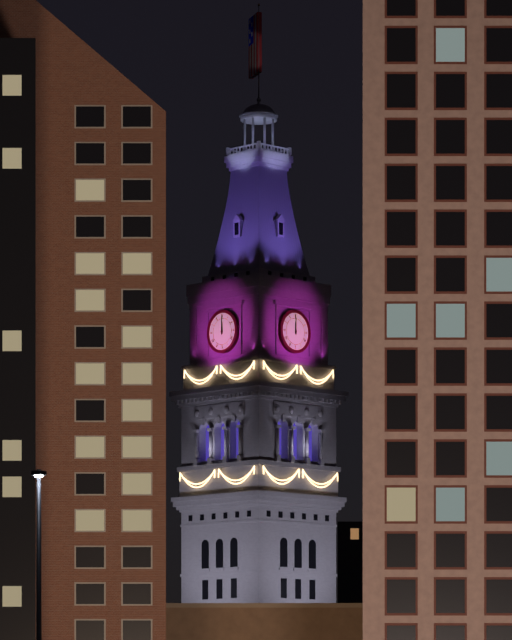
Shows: 12:00
